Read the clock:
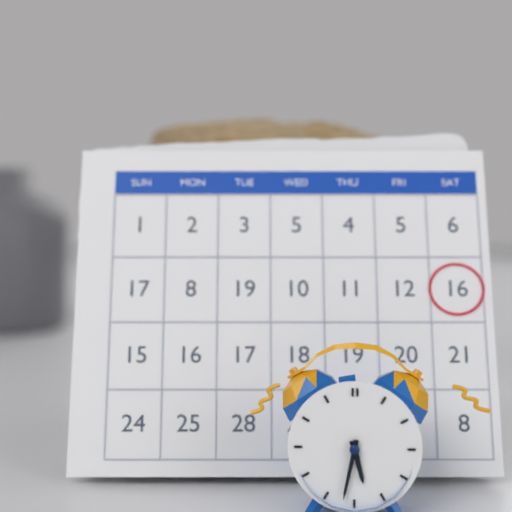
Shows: 5:32
